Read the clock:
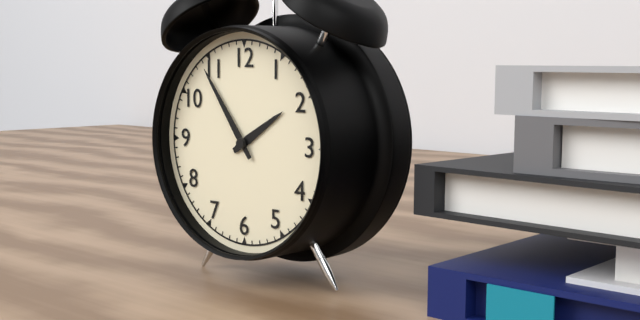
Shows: 1:54
